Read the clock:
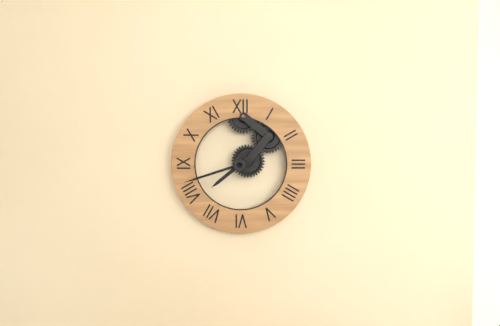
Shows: 7:42
